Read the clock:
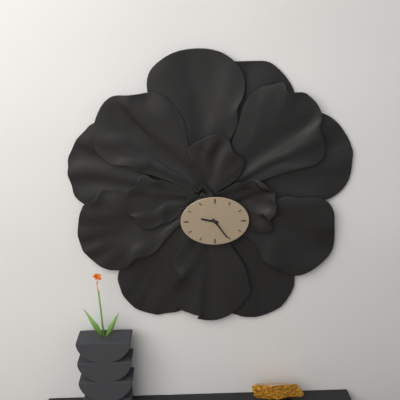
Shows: 9:24
